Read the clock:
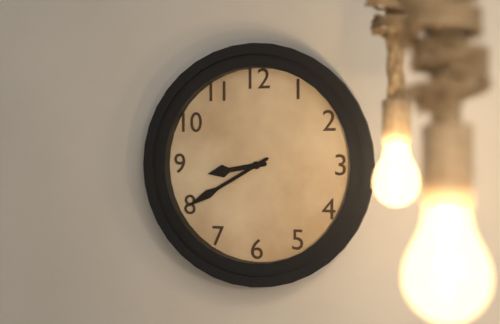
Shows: 8:40
